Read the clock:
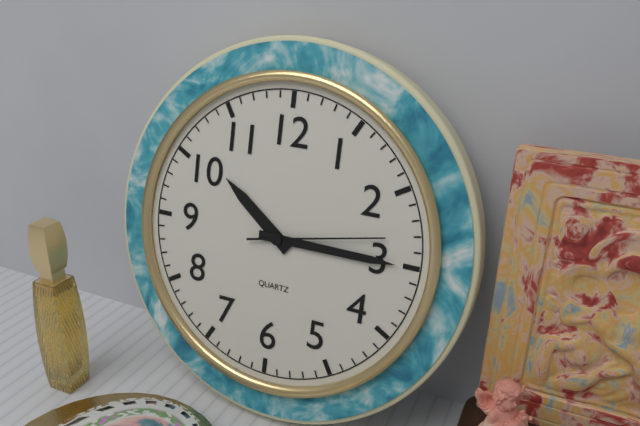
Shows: 10:15:13
